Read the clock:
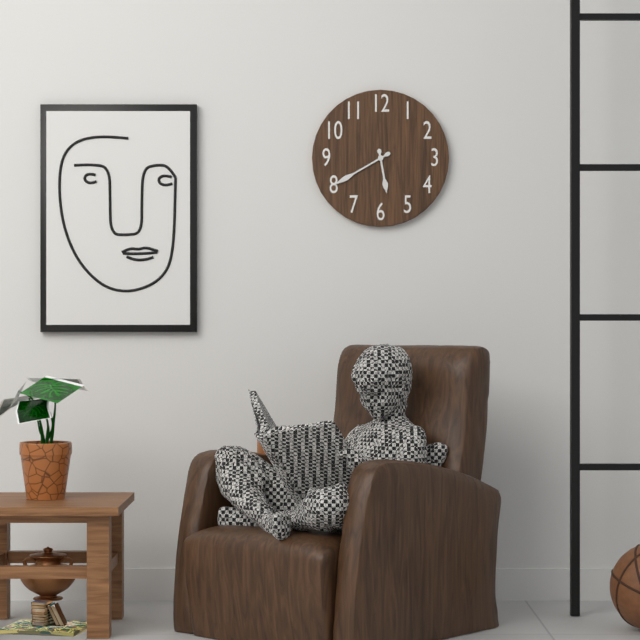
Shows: 5:40
